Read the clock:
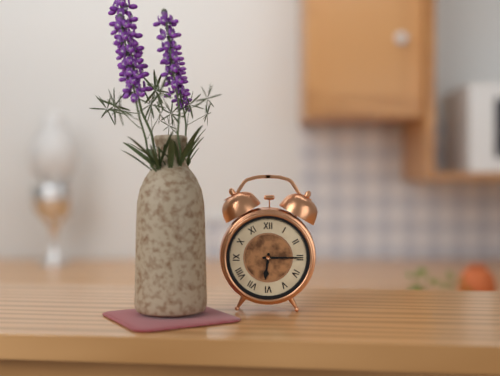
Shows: 6:15
